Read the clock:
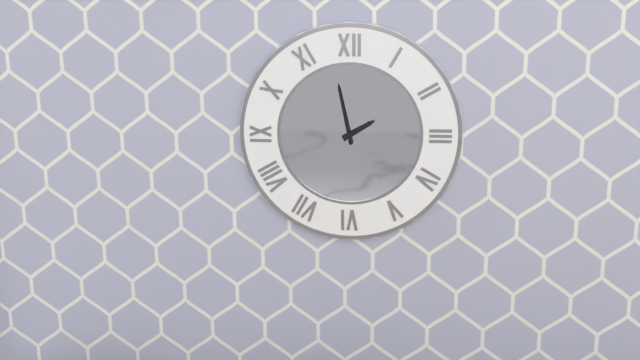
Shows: 1:58
